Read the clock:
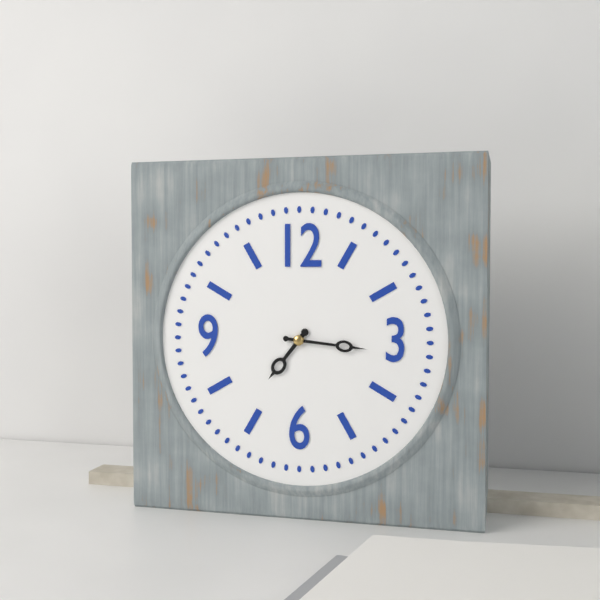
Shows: 7:16
